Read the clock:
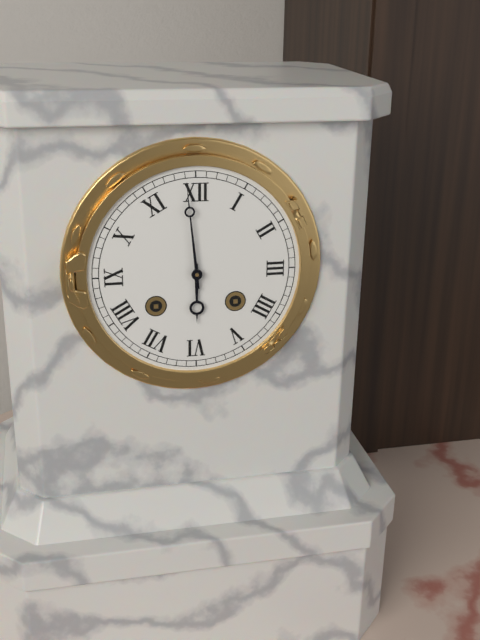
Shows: 5:59
